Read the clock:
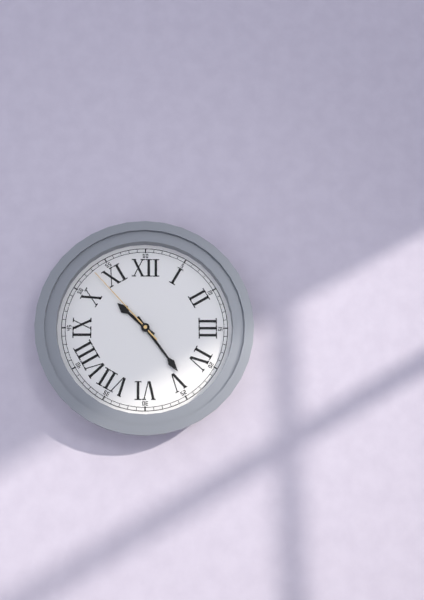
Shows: 10:24:53
